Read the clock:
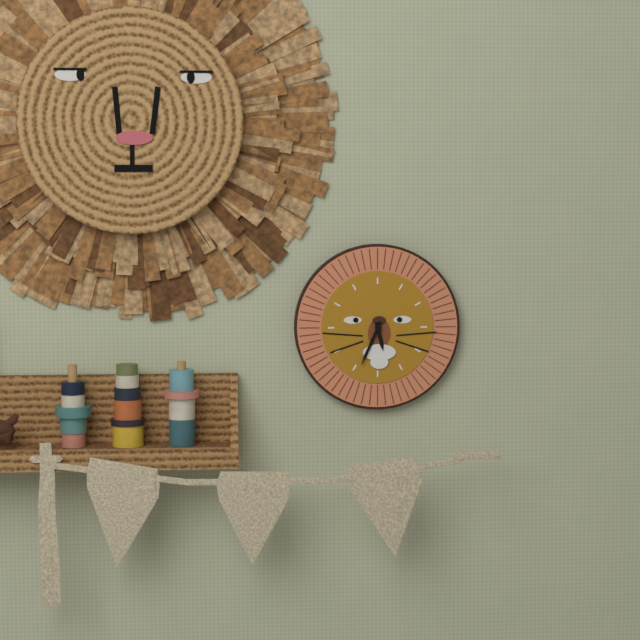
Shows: 5:34
